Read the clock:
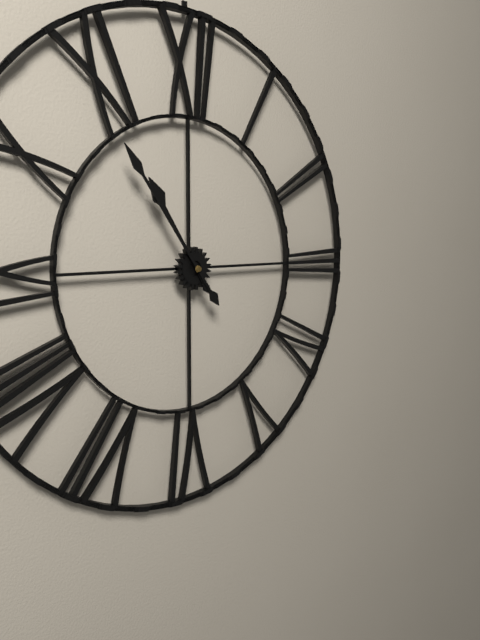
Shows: 10:54
